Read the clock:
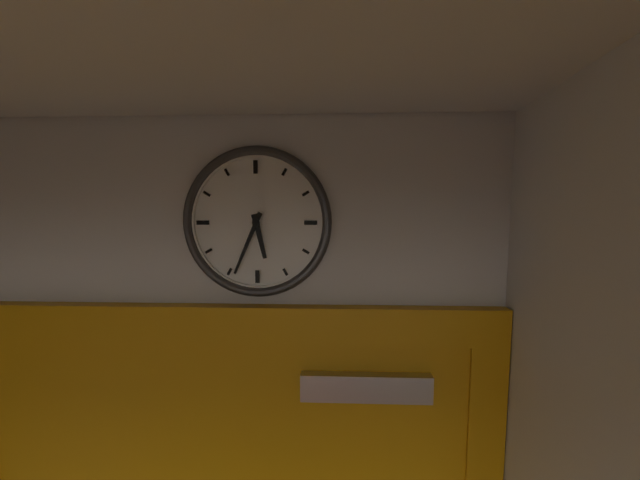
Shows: 5:34
